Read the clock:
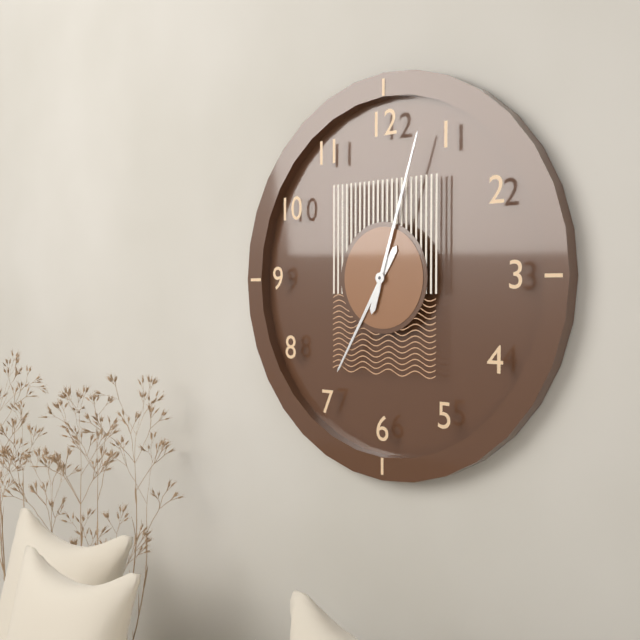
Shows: 7:03
